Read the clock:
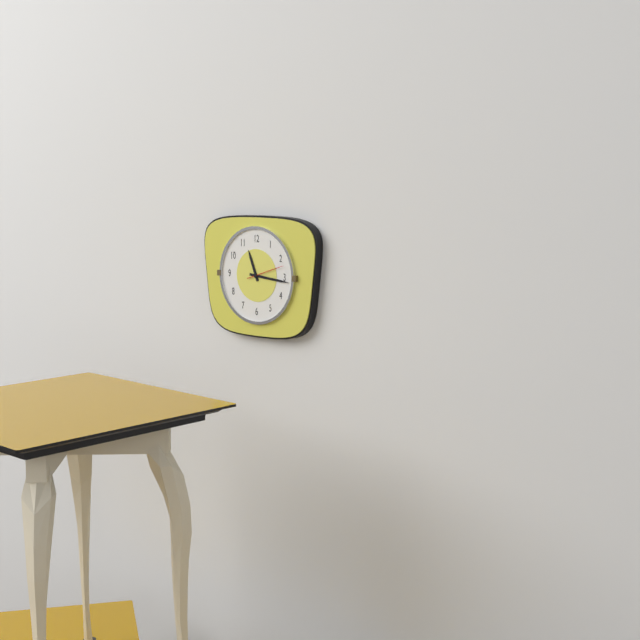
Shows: 11:16
